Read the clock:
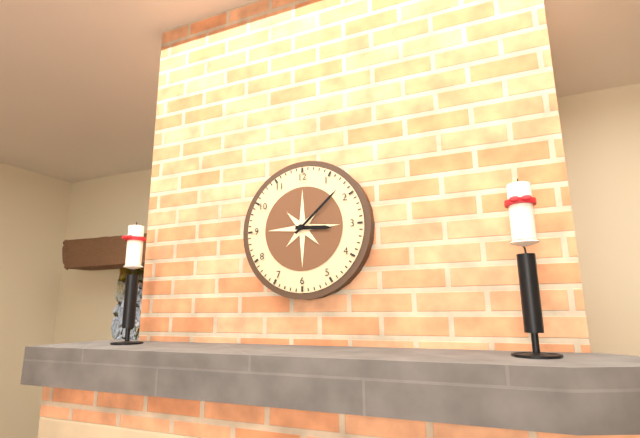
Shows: 3:08
